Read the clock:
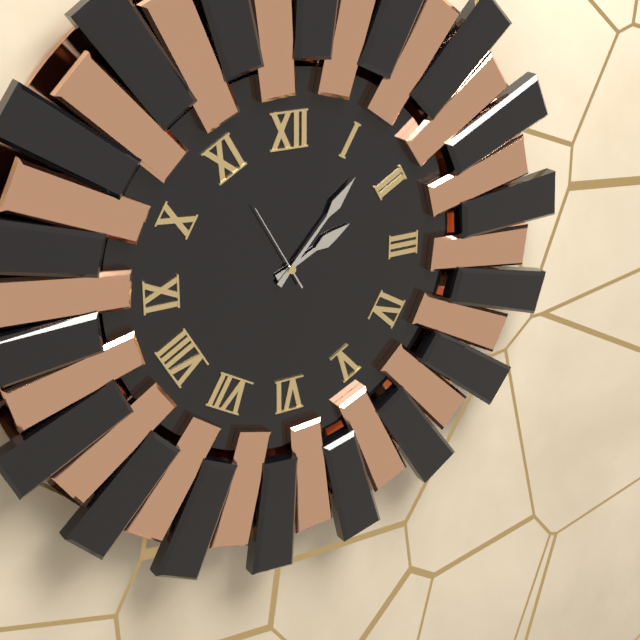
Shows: 2:07:55
